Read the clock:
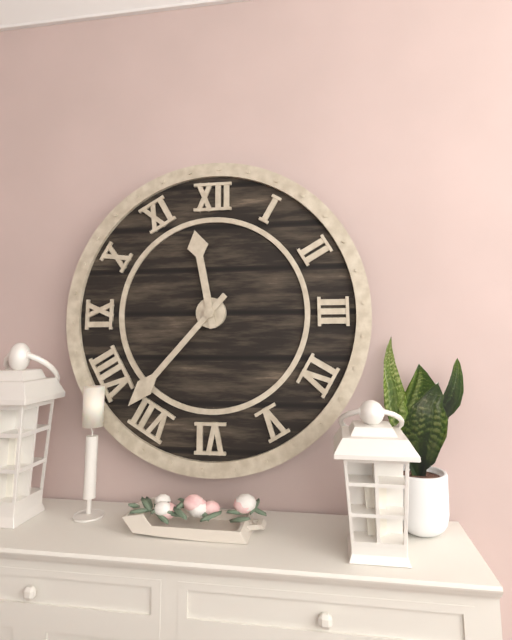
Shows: 11:37
